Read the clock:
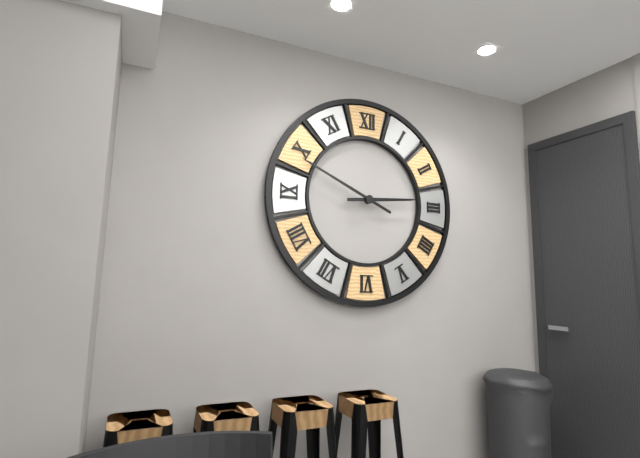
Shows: 2:49
